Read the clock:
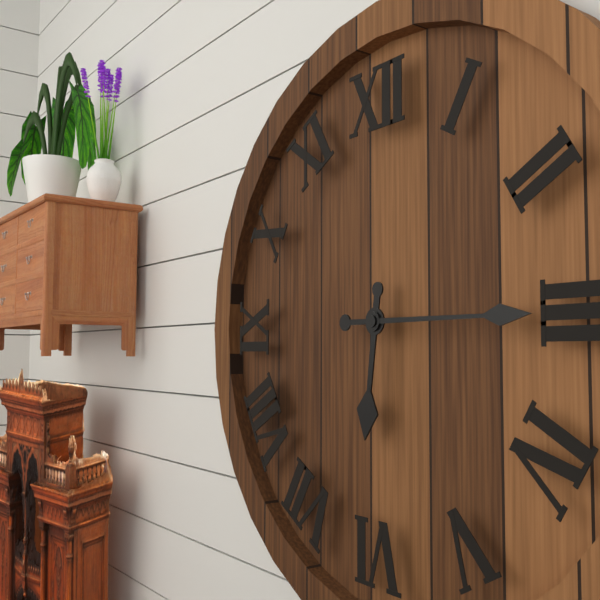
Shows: 6:15
